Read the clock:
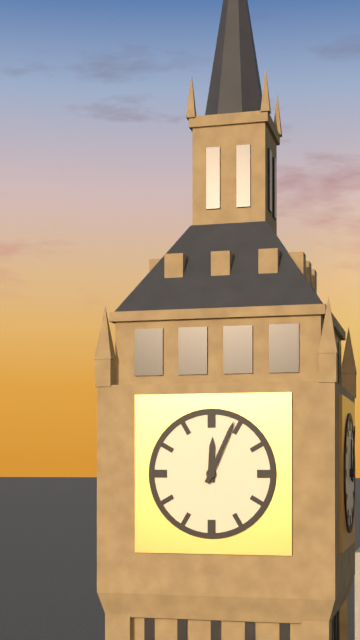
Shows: 12:04
